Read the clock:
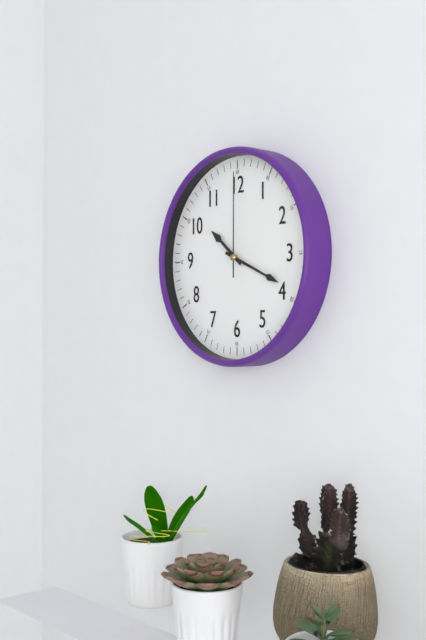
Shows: 10:19:00
